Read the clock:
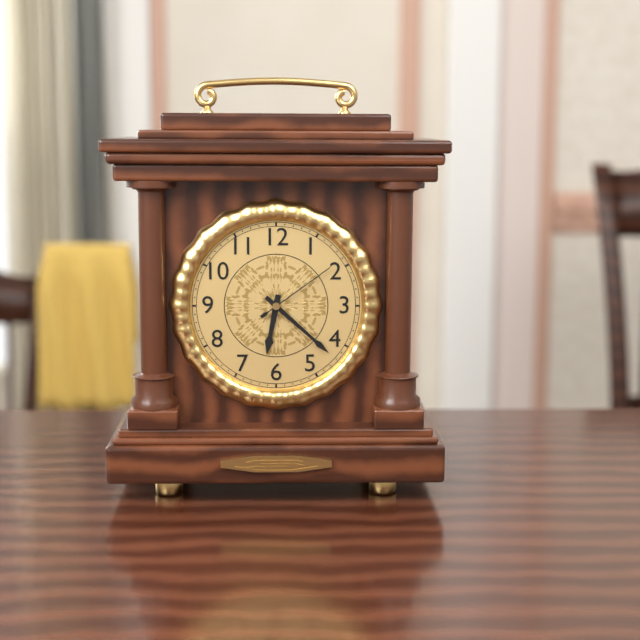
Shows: 6:22:09
